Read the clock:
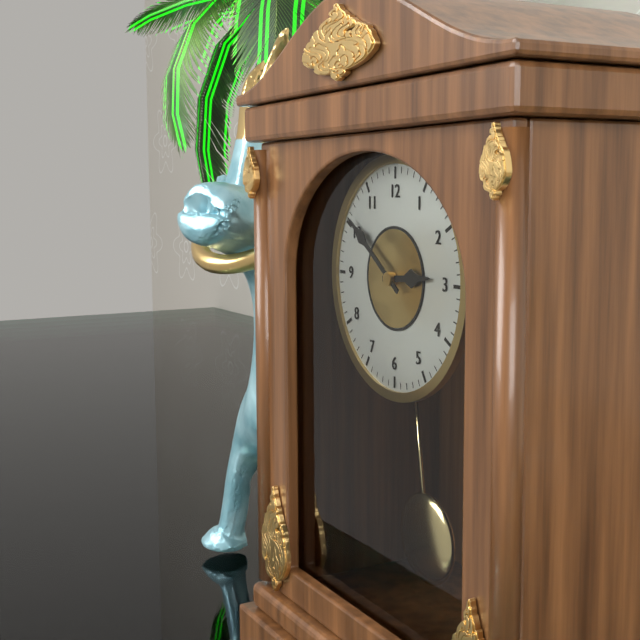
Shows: 2:51
